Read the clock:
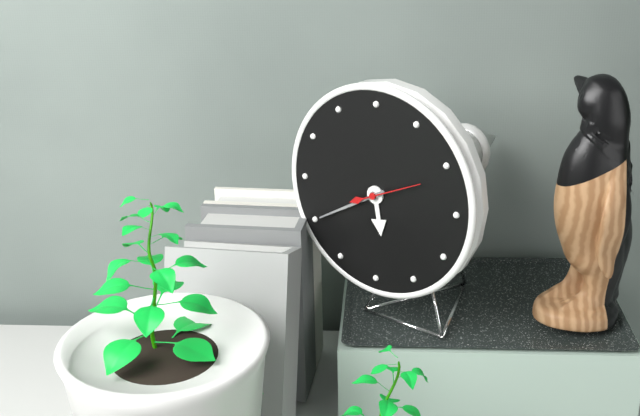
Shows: 5:40:11
